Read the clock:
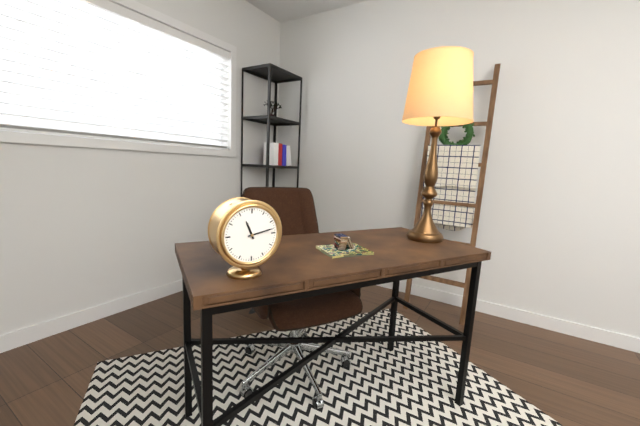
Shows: 11:13
